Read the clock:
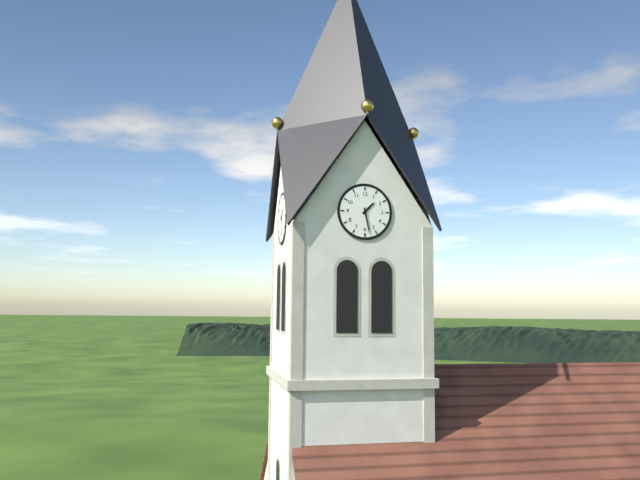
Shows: 1:28
